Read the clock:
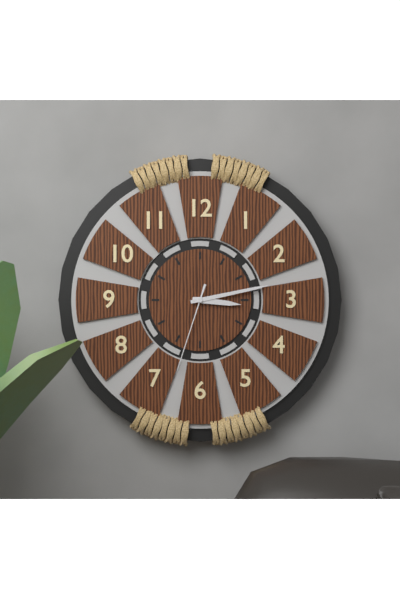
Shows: 3:13:33
